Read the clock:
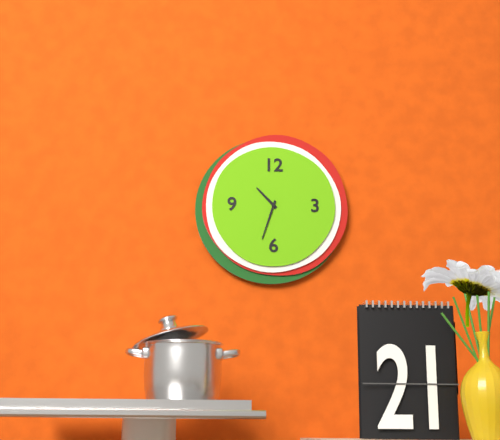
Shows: 10:33
